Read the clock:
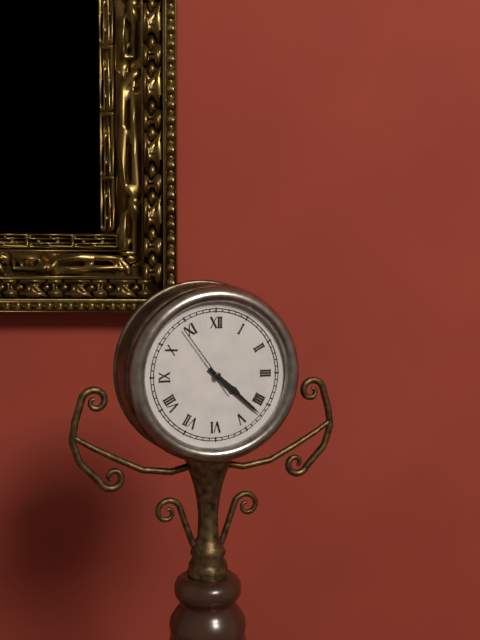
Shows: 4:22:54
